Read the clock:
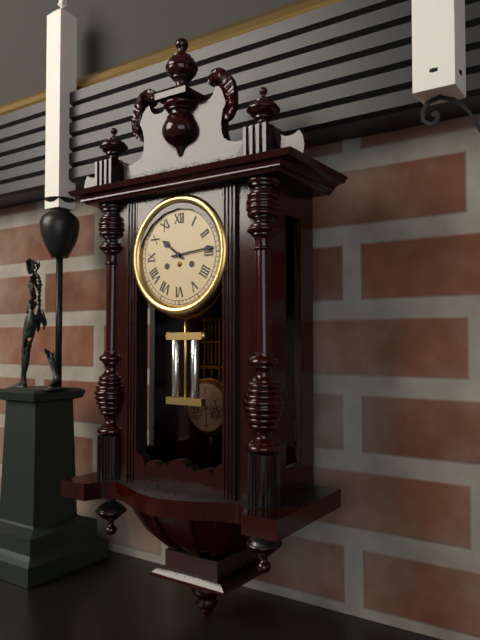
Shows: 10:14
